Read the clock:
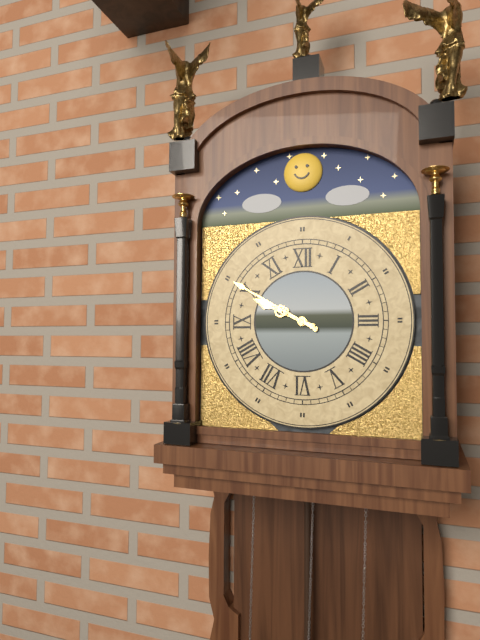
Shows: 9:50
